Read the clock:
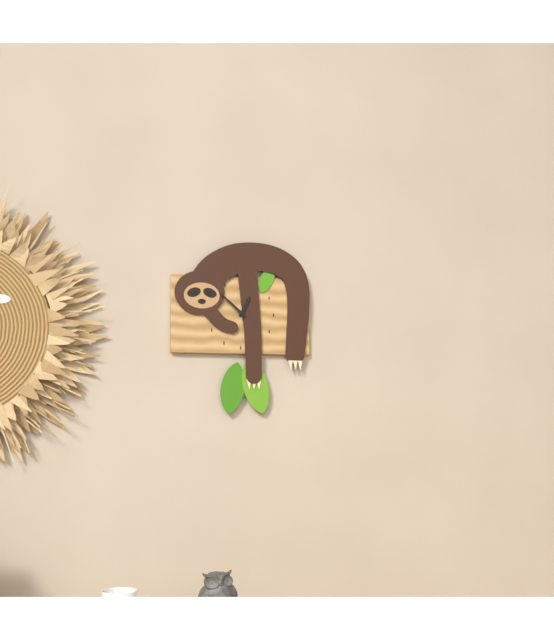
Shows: 12:52
